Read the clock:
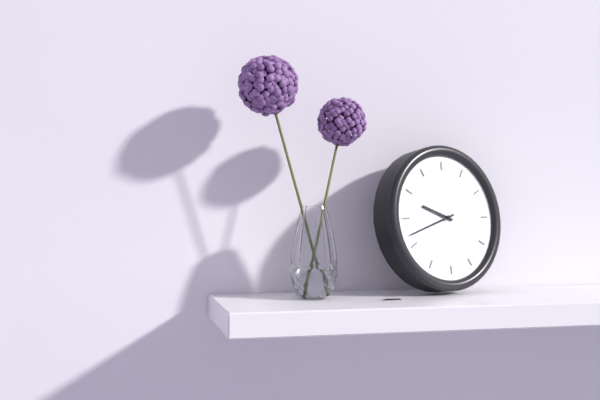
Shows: 9:42
